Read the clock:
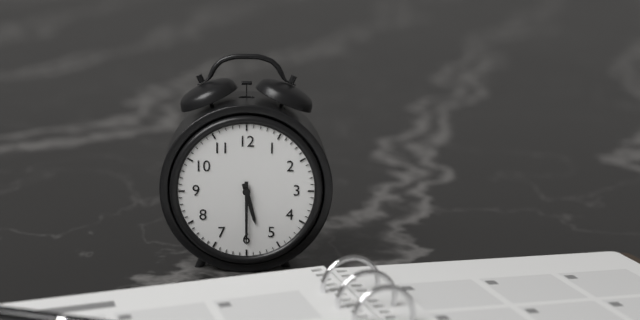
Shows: 5:30
